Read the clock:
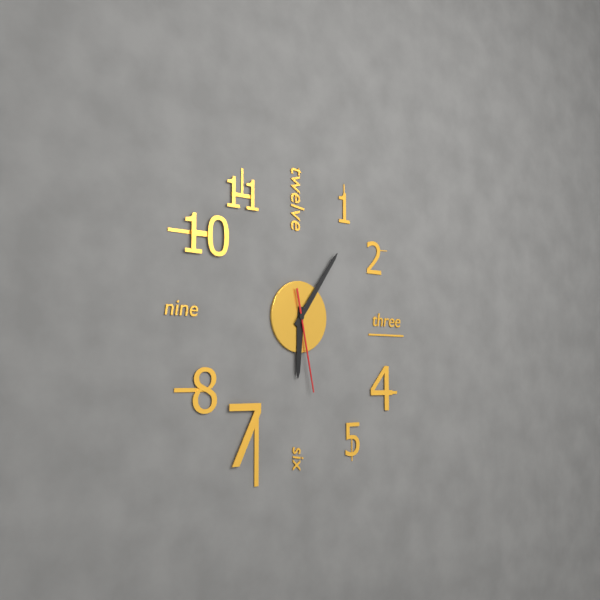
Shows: 6:06:28
